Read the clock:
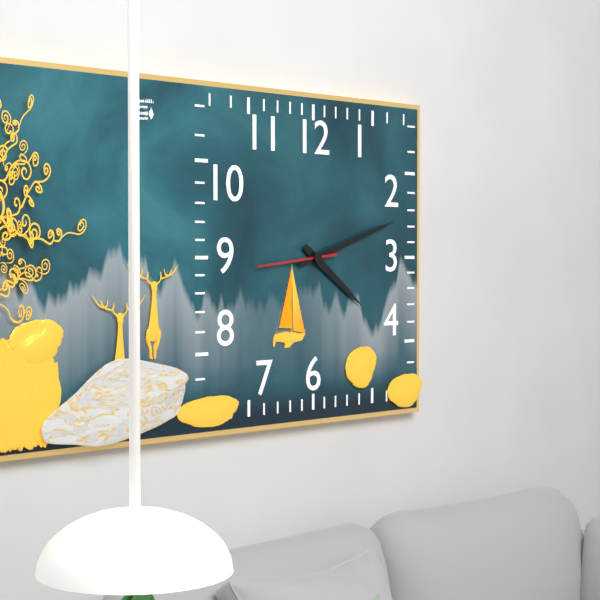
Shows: 4:12:44
